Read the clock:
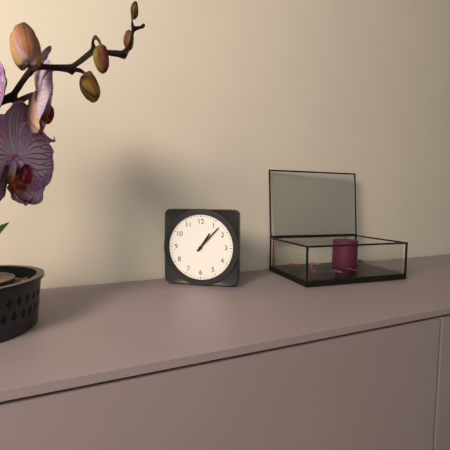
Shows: 1:07
